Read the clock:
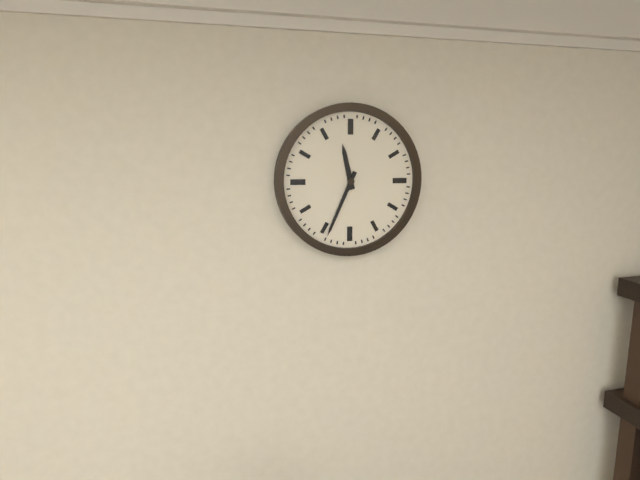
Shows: 11:34
